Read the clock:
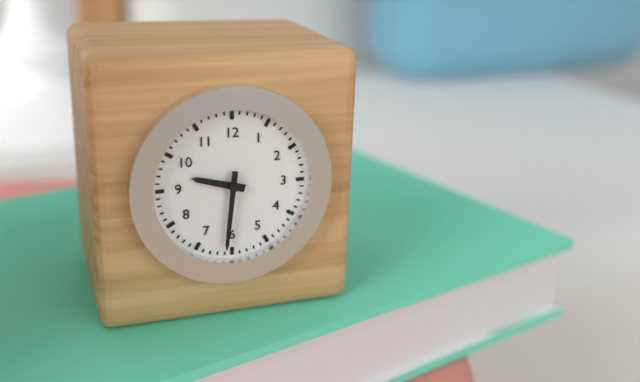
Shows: 9:31
